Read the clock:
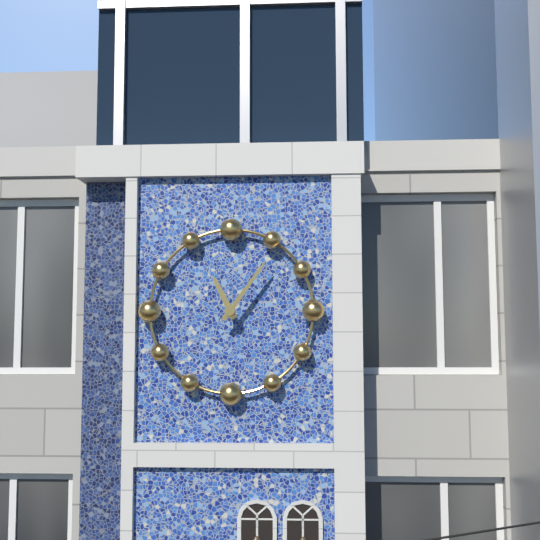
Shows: 11:06
